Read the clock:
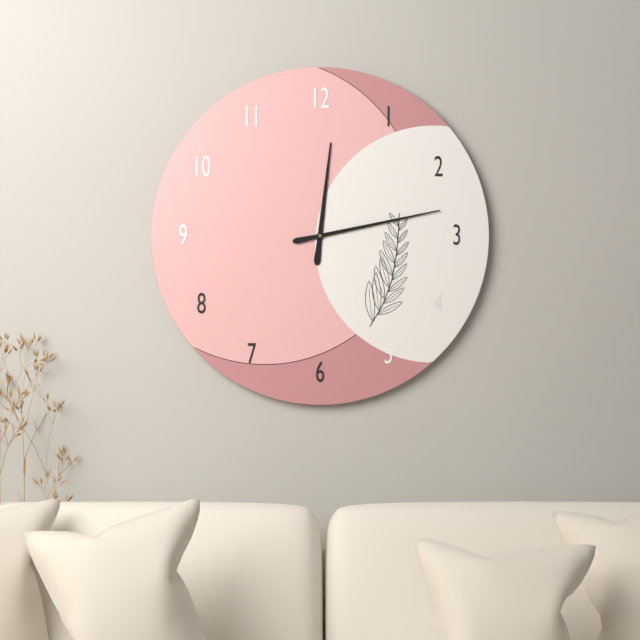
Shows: 12:13
